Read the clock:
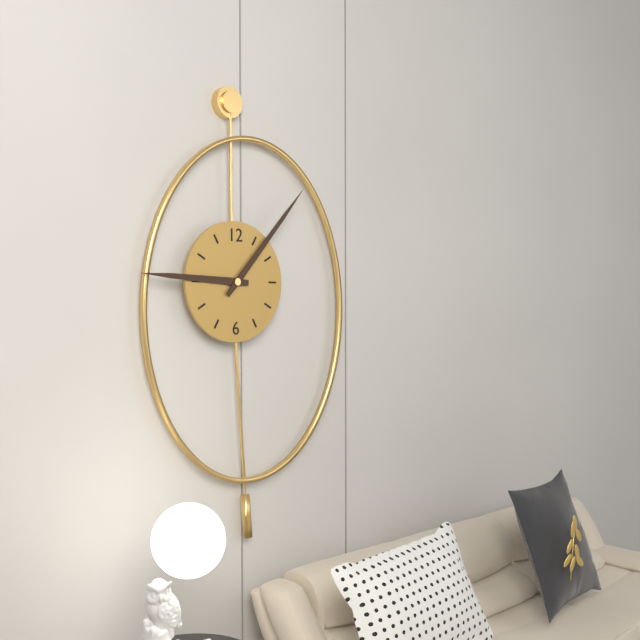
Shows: 9:07
